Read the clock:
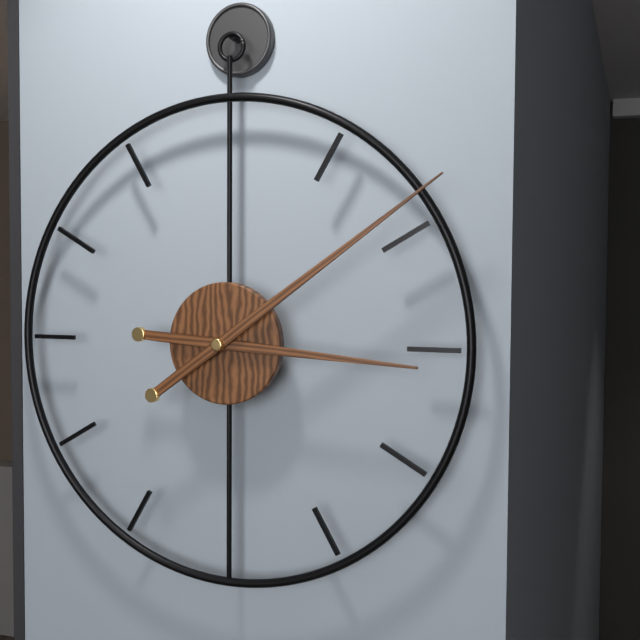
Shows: 3:09
